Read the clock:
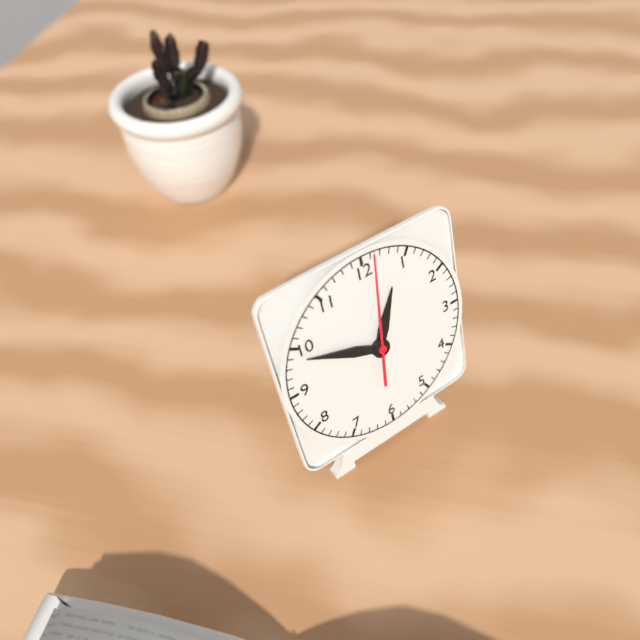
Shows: 12:49:01
